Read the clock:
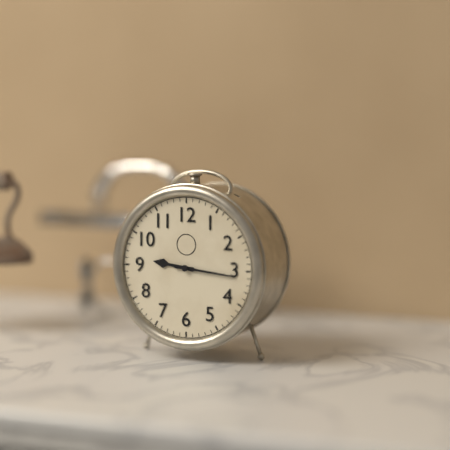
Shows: 9:16
